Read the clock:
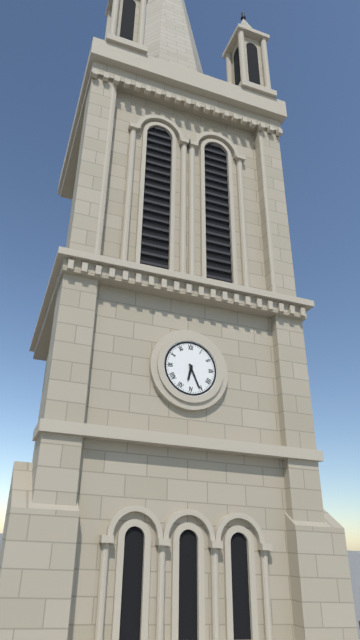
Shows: 6:26
